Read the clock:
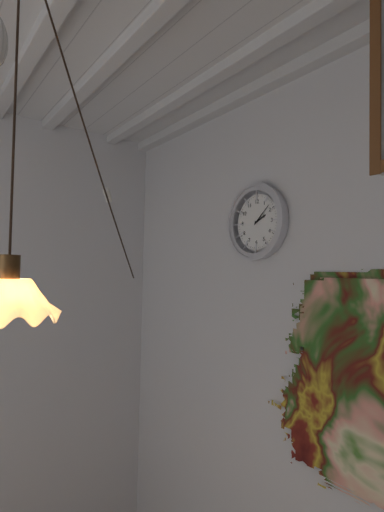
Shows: 2:08
